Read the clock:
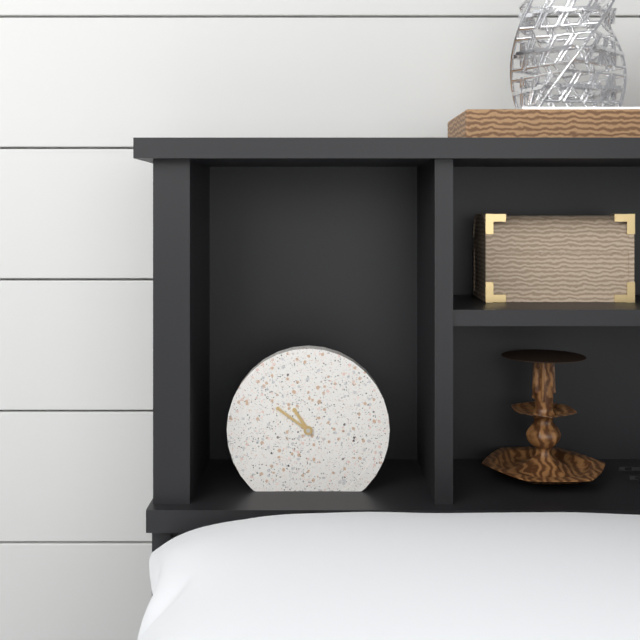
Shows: 10:51
